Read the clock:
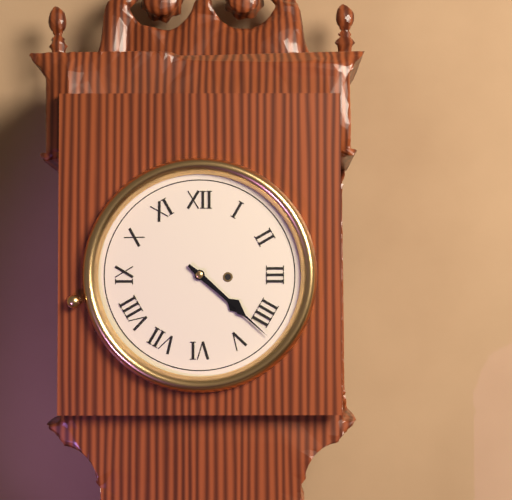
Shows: 4:22
